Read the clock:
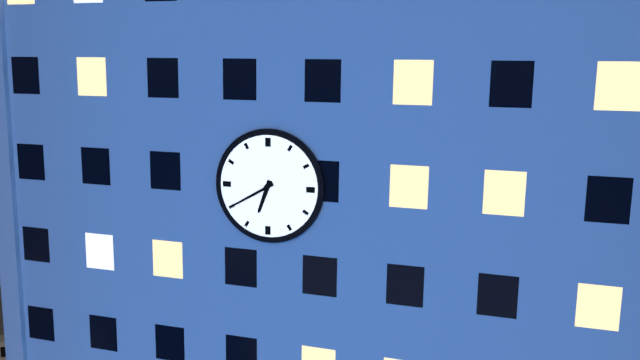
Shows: 6:40
